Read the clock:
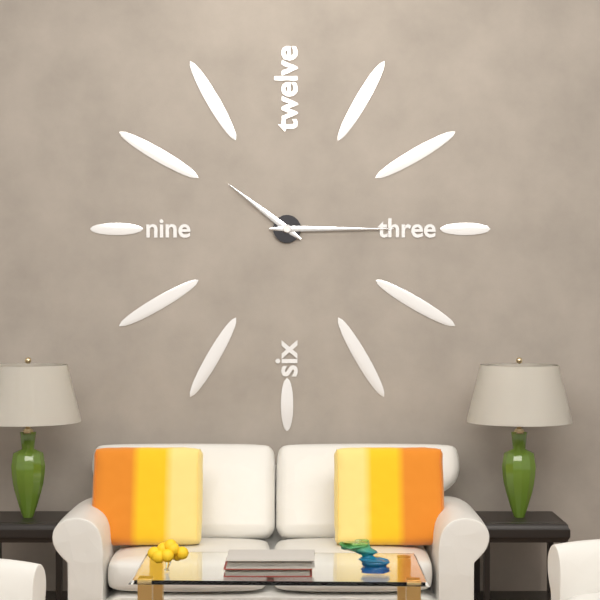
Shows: 10:15
